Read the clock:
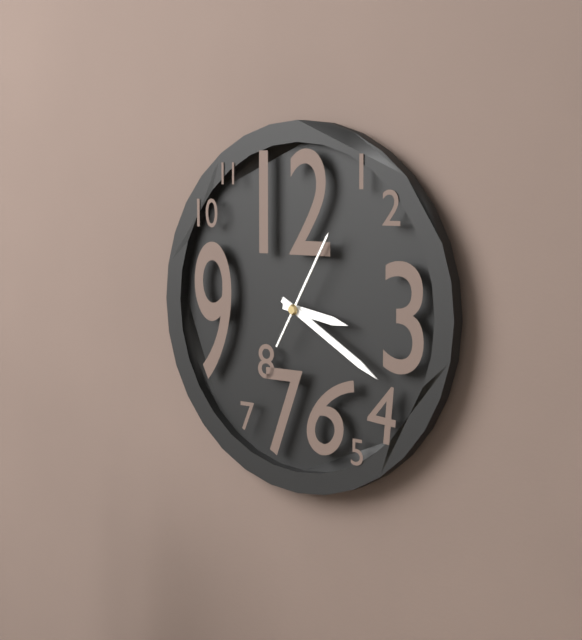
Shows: 3:20:05
